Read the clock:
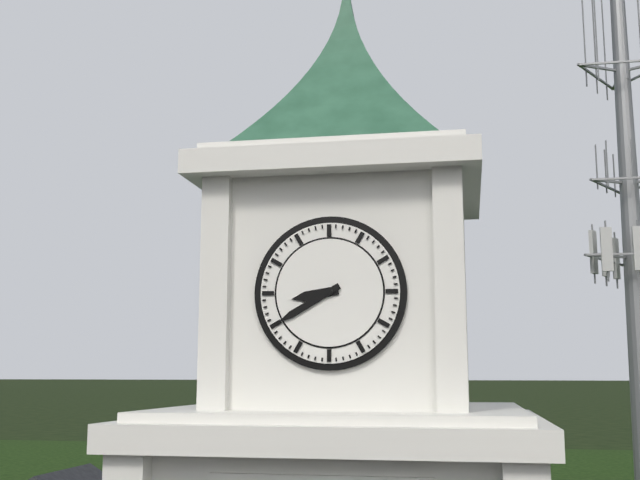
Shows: 8:40
